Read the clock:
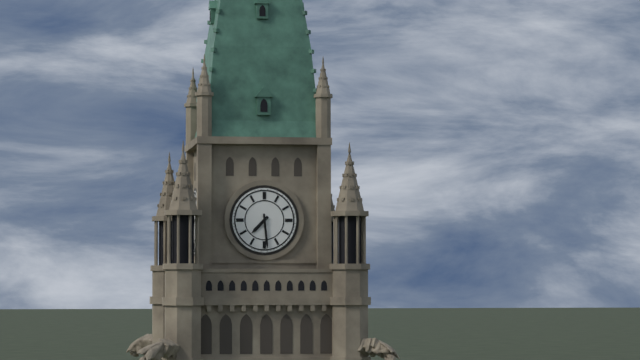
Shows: 7:29
